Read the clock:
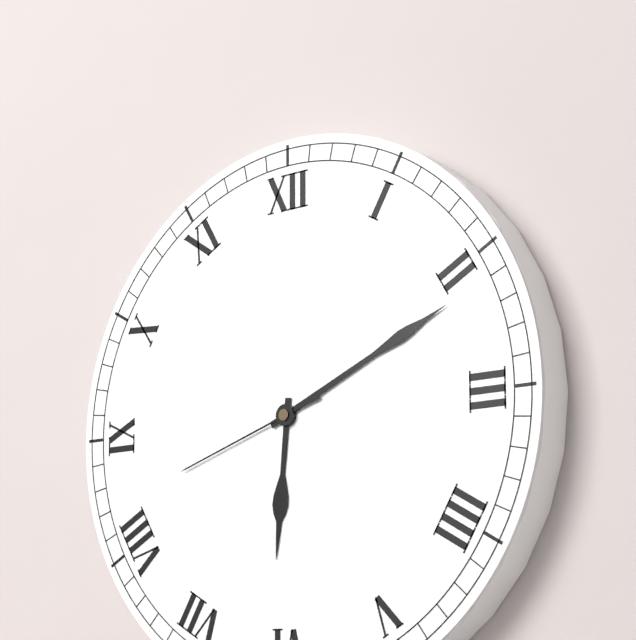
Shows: 6:11:42
